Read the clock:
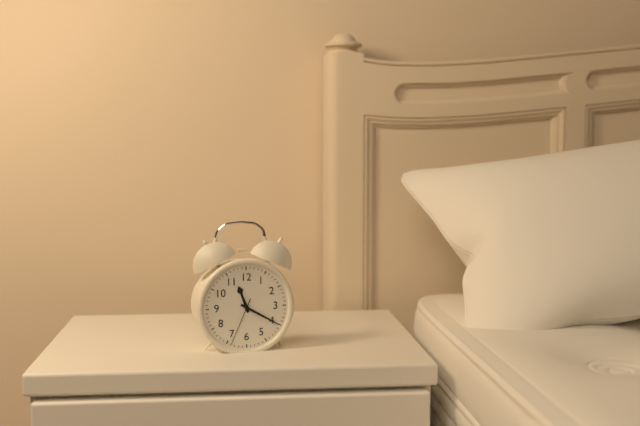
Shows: 11:20
